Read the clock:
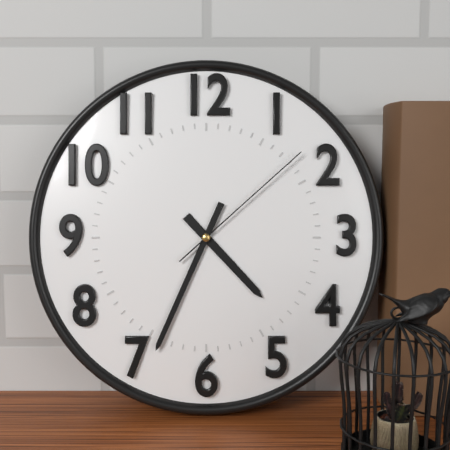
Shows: 4:34:08
